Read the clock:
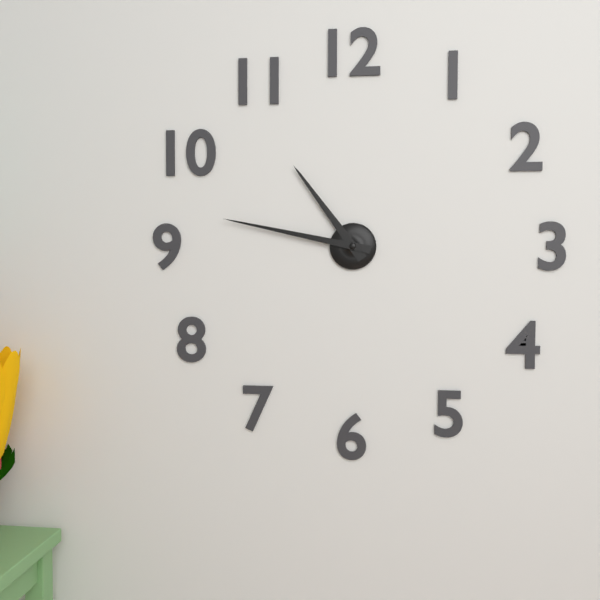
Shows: 10:47
